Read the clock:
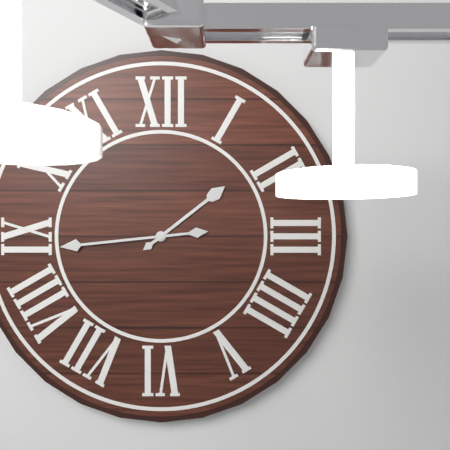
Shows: 1:44
